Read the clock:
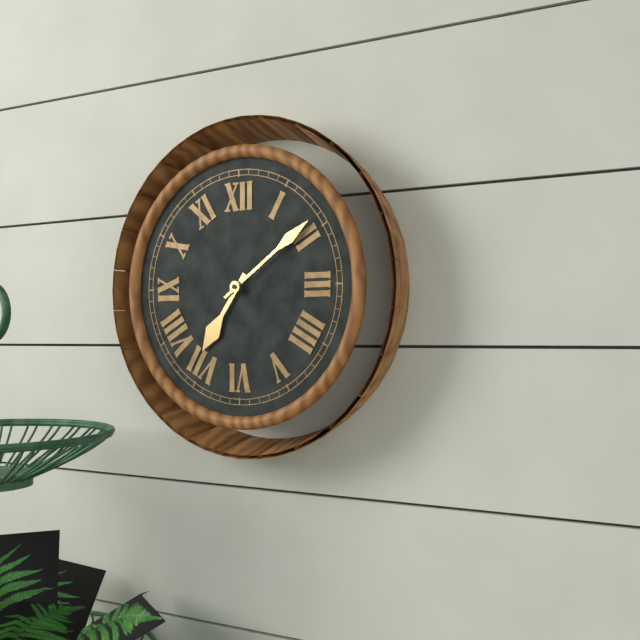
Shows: 7:09
